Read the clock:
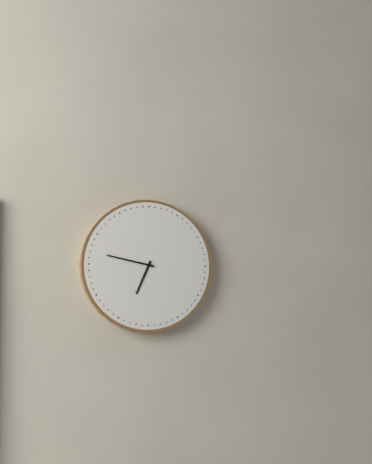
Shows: 6:47
